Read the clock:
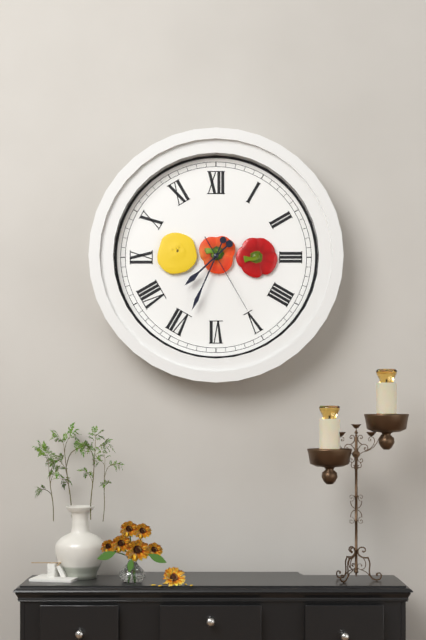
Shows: 7:34:25
